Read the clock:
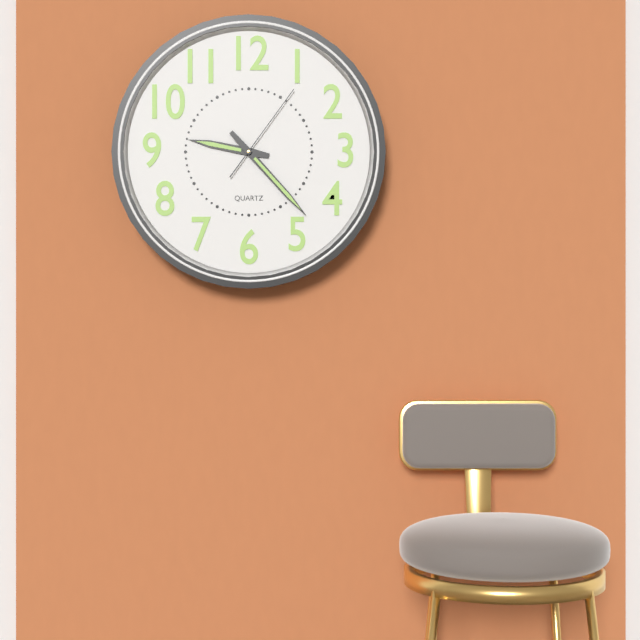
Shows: 9:23:06
